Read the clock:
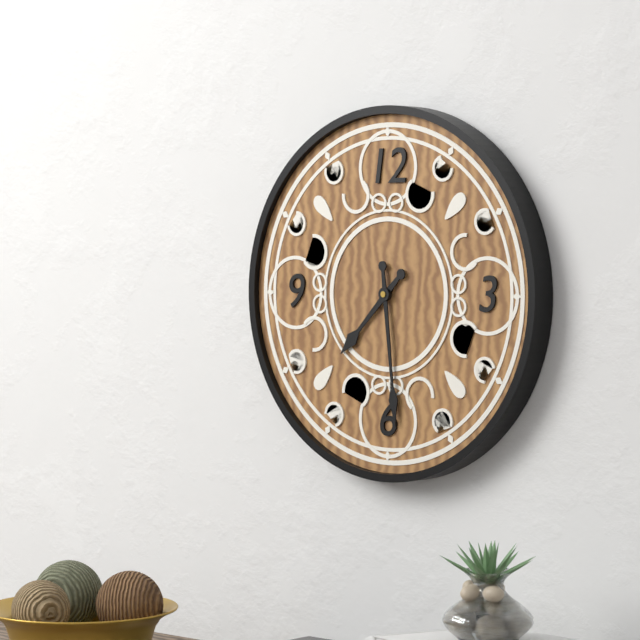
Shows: 7:29
